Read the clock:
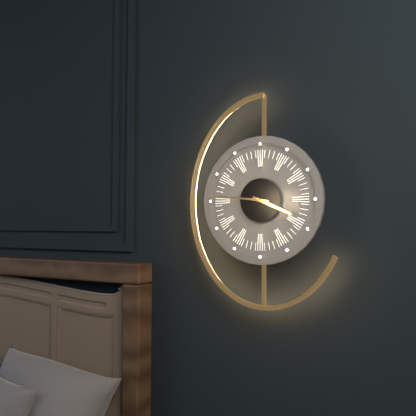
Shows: 3:46
